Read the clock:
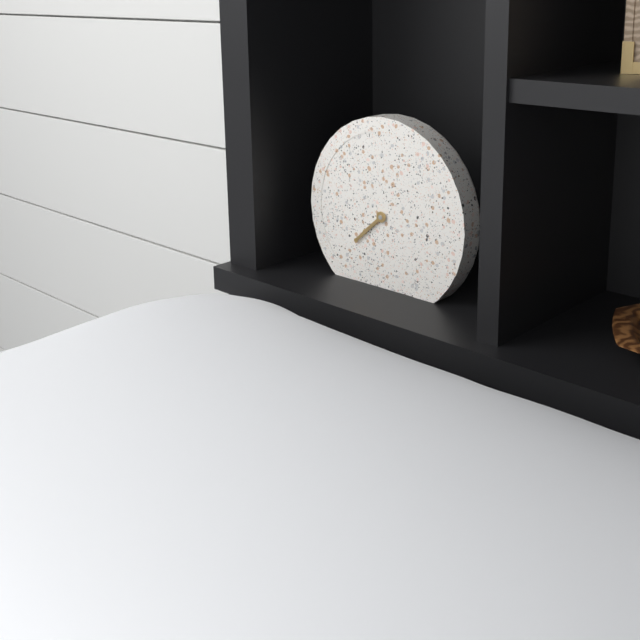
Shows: 7:38
